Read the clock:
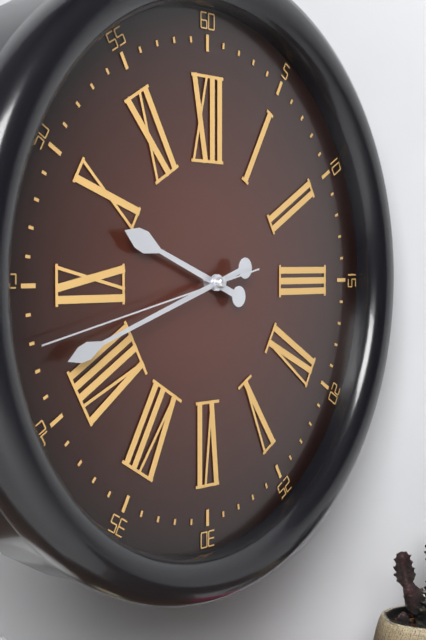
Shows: 9:42:43
